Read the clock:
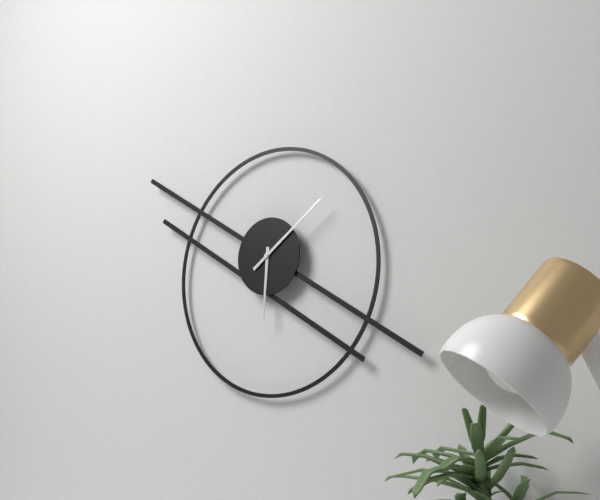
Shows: 6:09
